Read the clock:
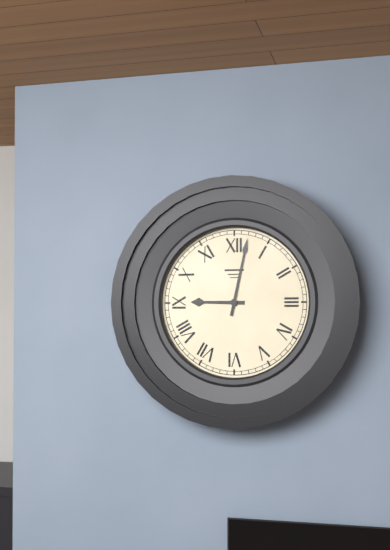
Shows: 9:02
